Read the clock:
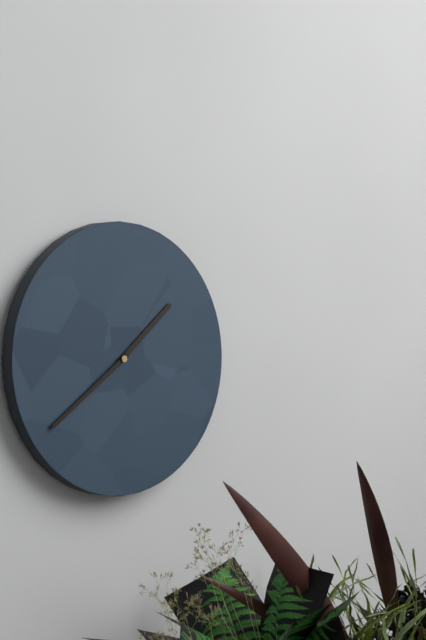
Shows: 1:39
